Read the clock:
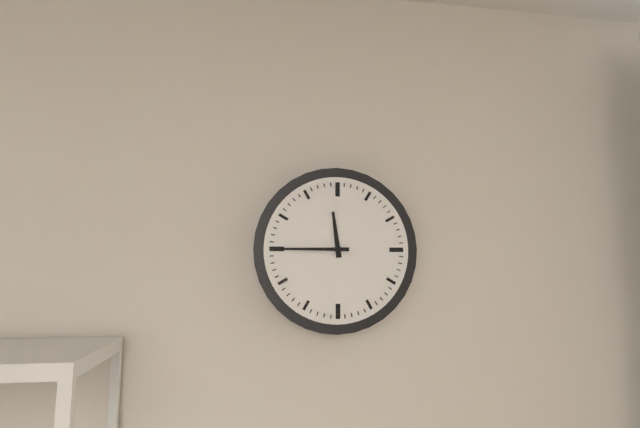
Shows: 11:45
